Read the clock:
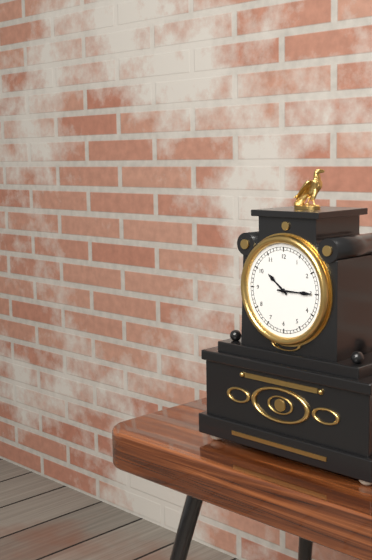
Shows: 10:15
